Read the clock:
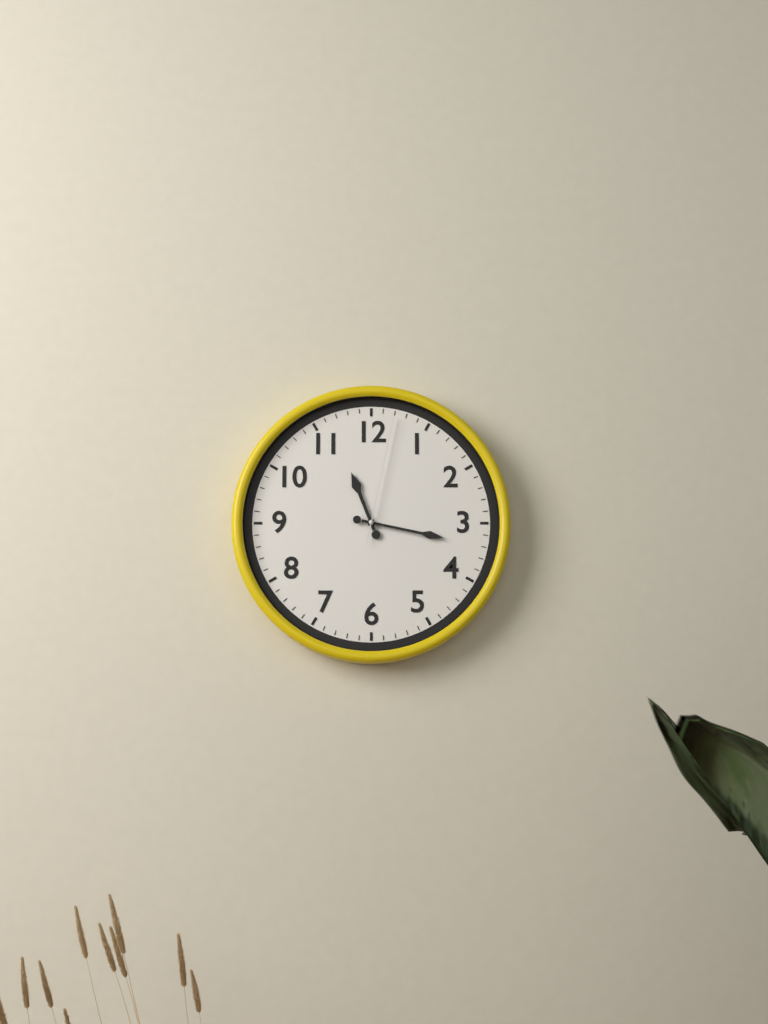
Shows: 11:17:02
